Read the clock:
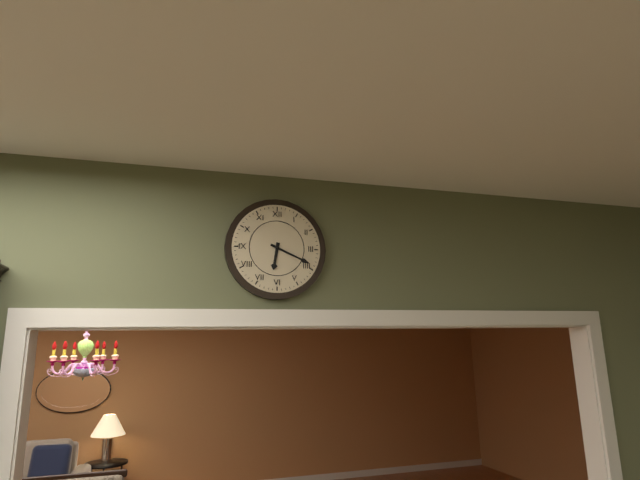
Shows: 6:19
